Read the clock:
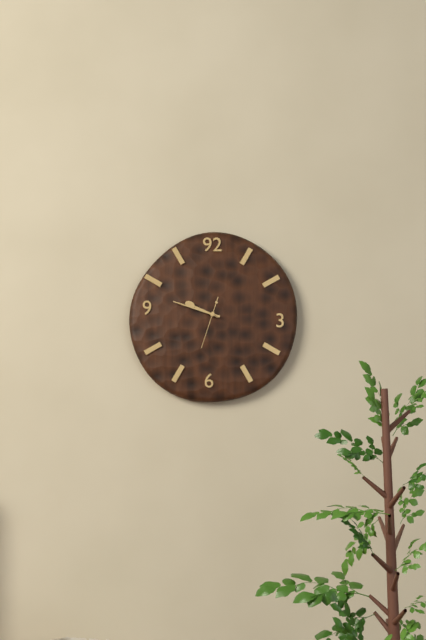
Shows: 9:48
